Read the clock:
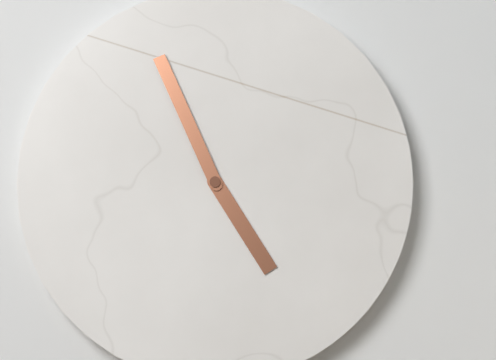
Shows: 4:56
